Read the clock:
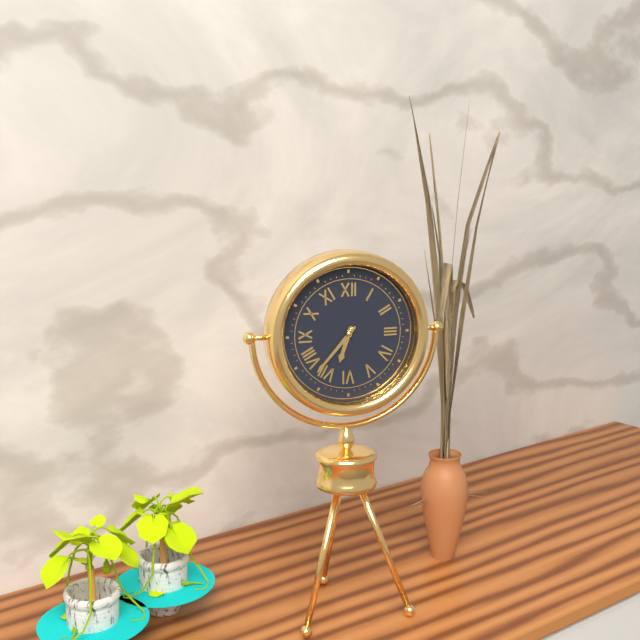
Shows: 6:37
